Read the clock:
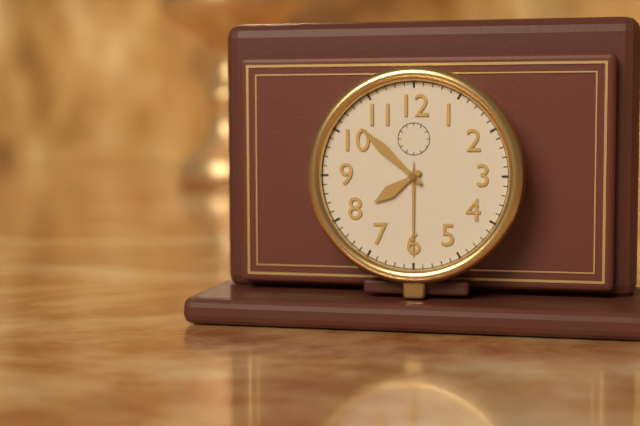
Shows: 7:52
